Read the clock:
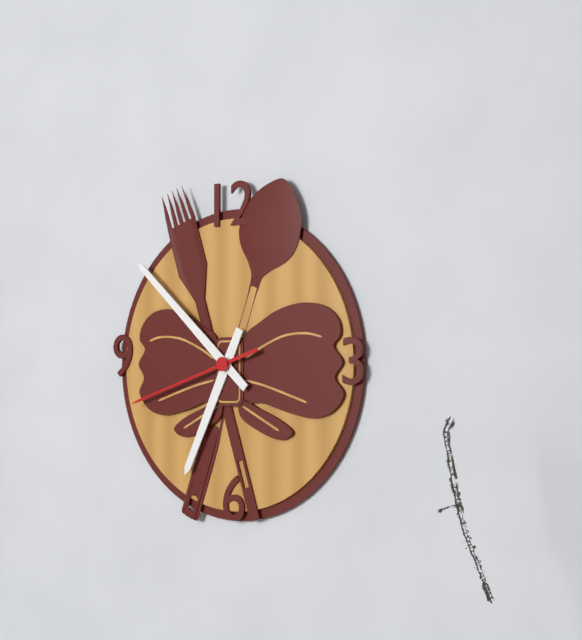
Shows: 6:52:42
